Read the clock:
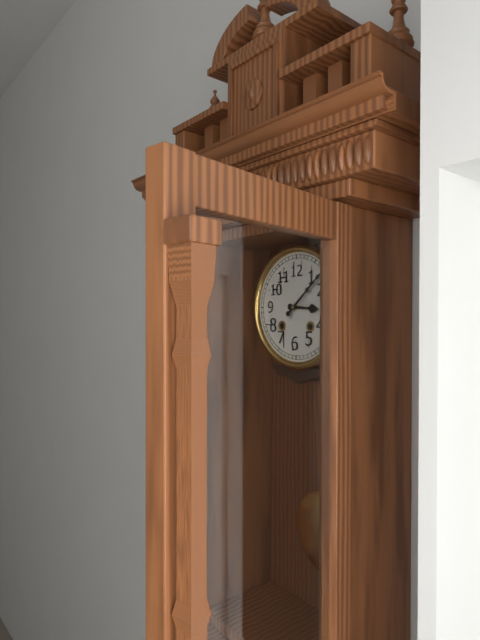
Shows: 3:08
